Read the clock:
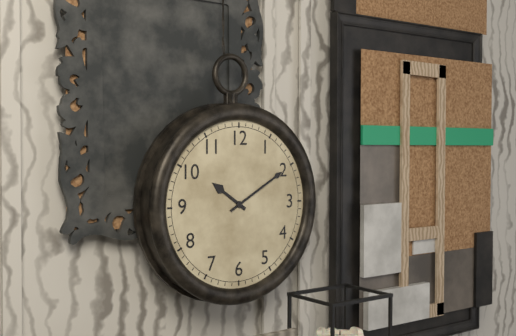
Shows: 10:10
